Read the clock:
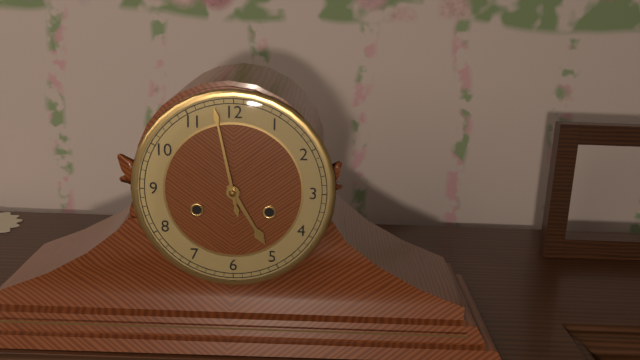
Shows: 4:58
